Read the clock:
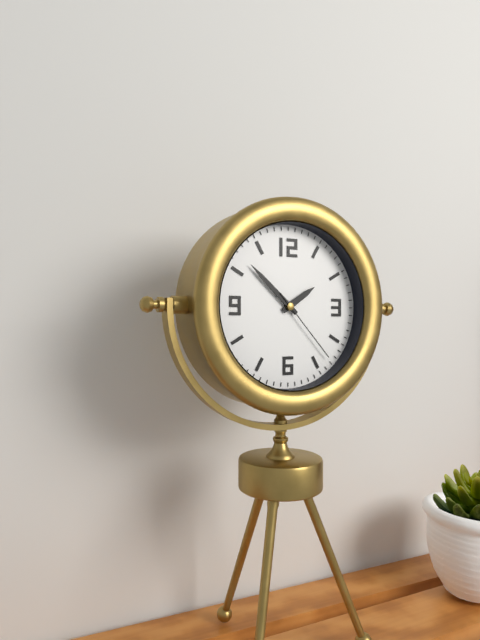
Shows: 1:52:23
